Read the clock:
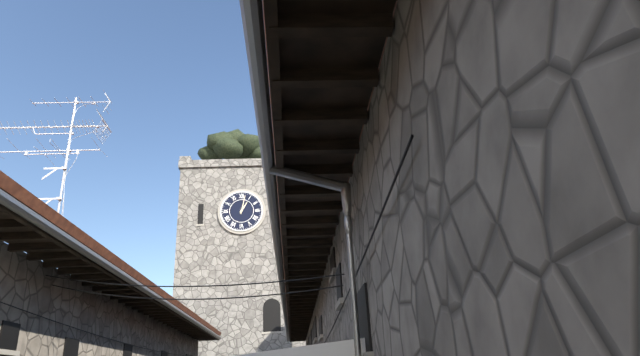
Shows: 1:02
